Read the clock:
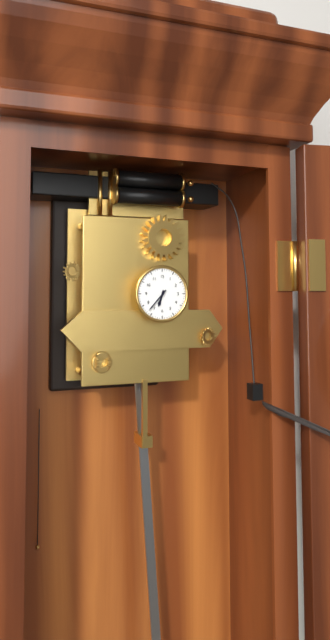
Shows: 6:37
